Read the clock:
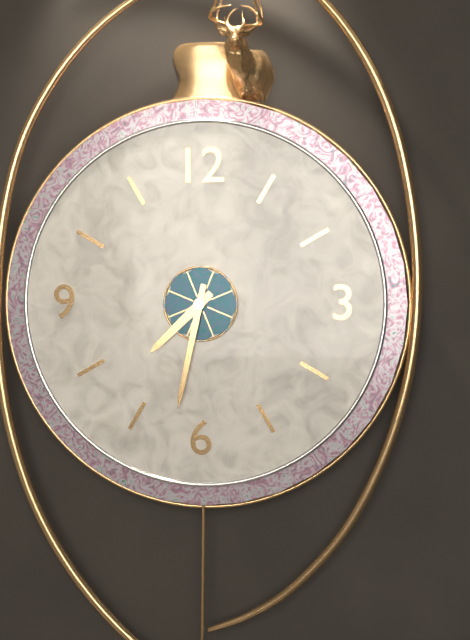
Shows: 7:32
